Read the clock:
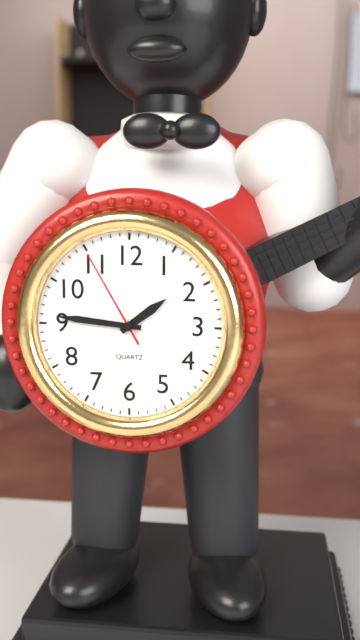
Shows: 1:46:55
